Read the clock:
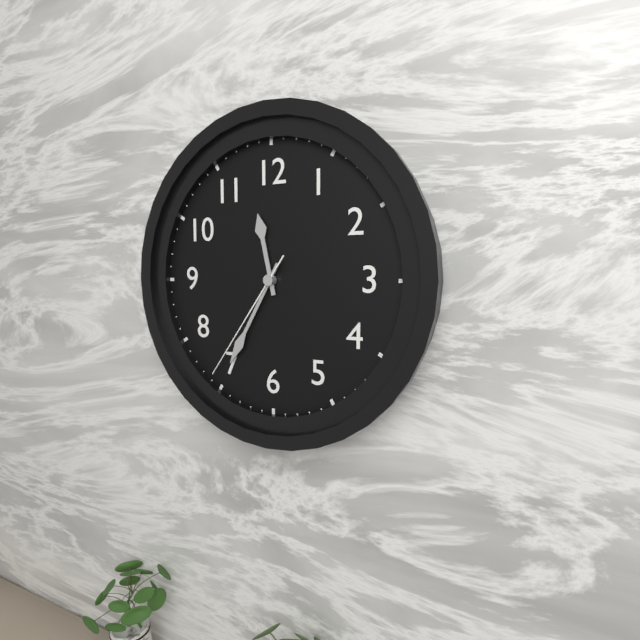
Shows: 11:35:36
